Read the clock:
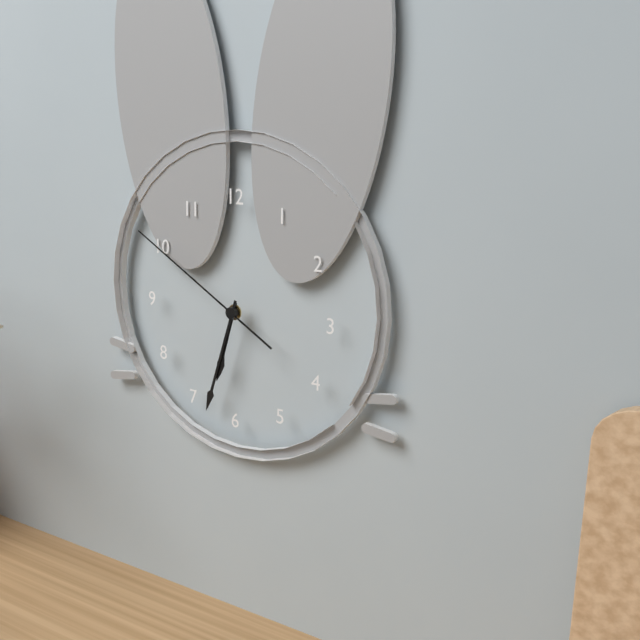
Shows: 6:33:50
